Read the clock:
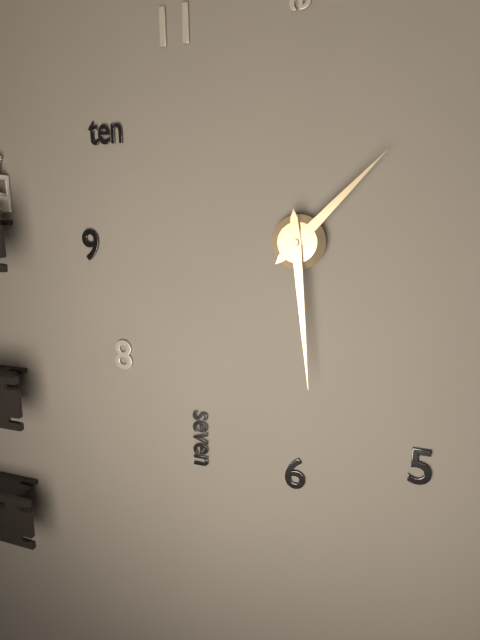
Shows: 1:29
